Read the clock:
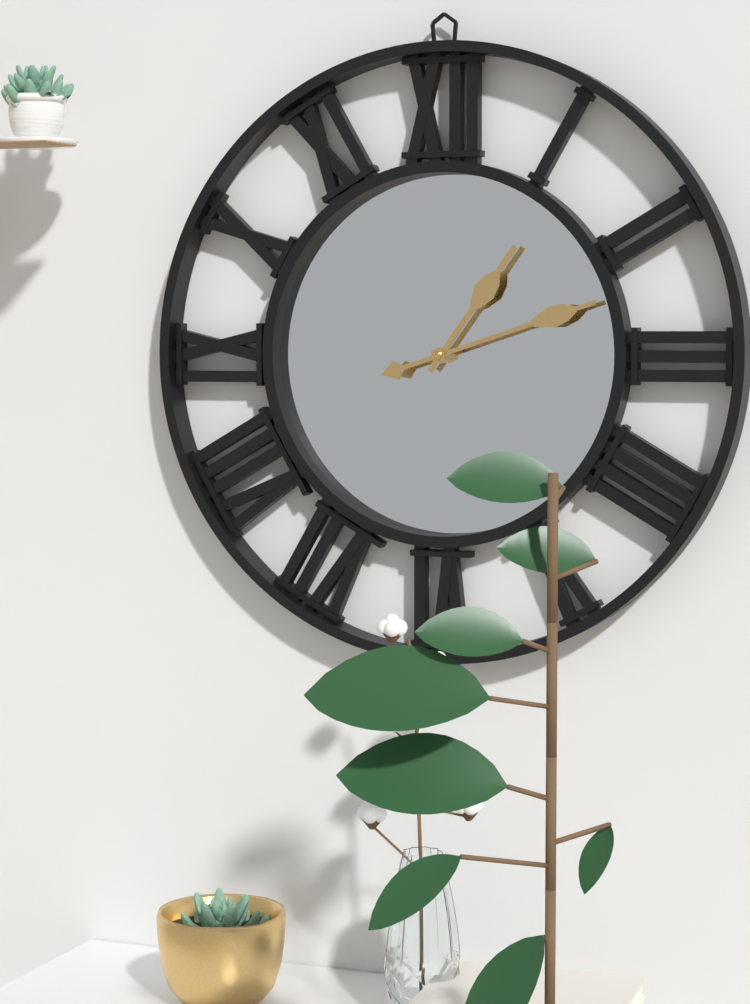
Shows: 1:12
